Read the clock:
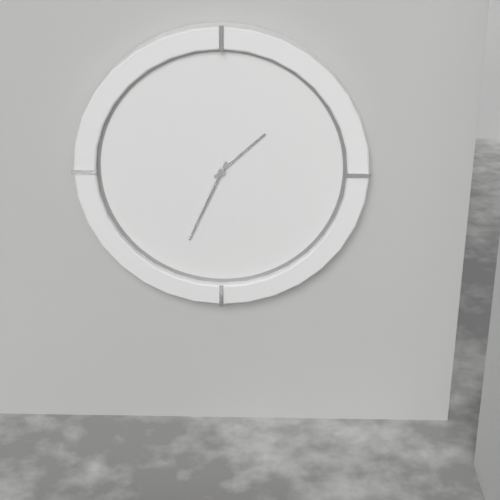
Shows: 1:34
